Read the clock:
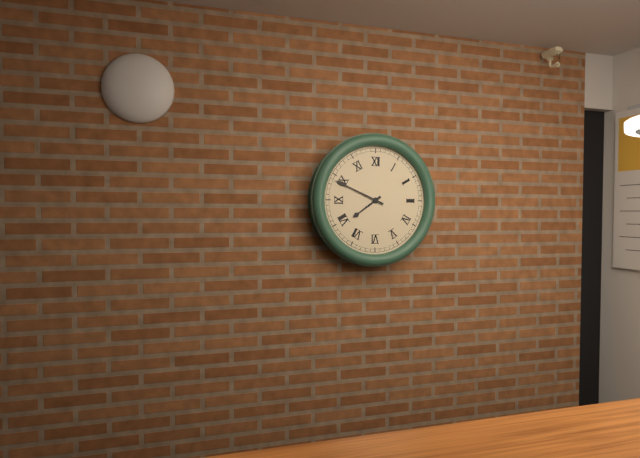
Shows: 7:49
